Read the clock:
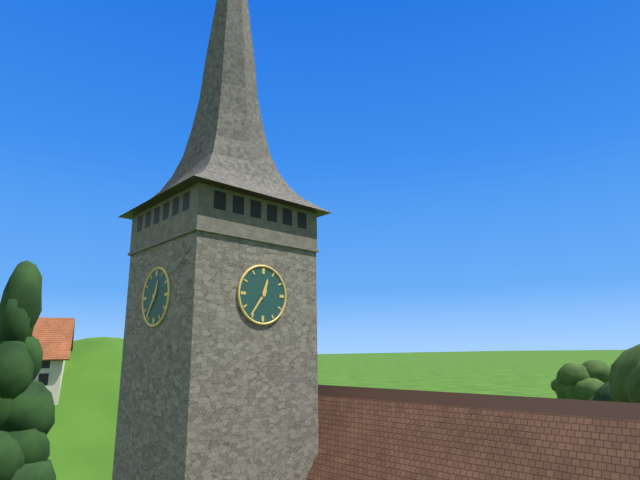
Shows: 12:36
